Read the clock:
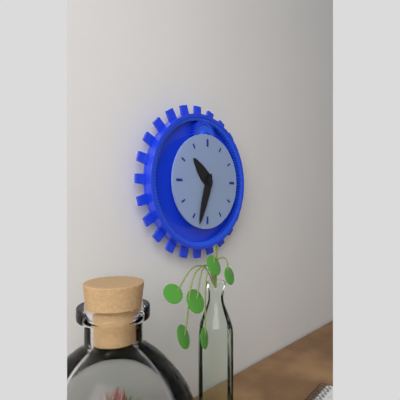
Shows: 10:33
